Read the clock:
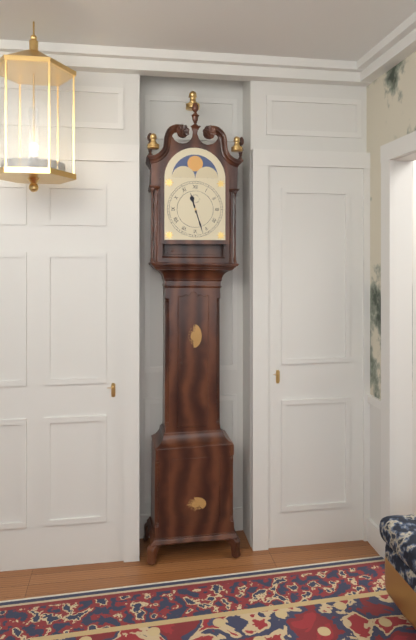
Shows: 11:27
